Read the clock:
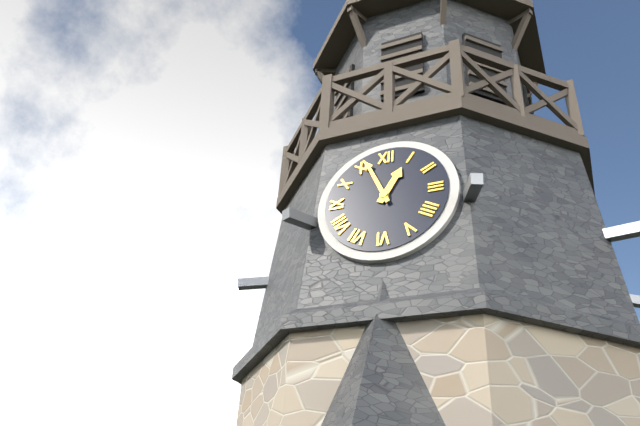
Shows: 12:56
